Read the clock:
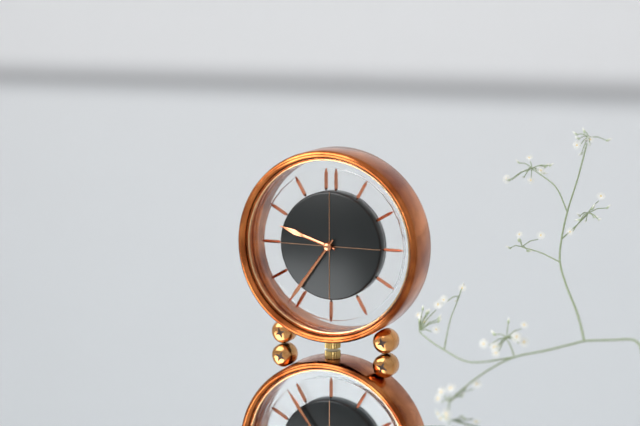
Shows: 9:36
